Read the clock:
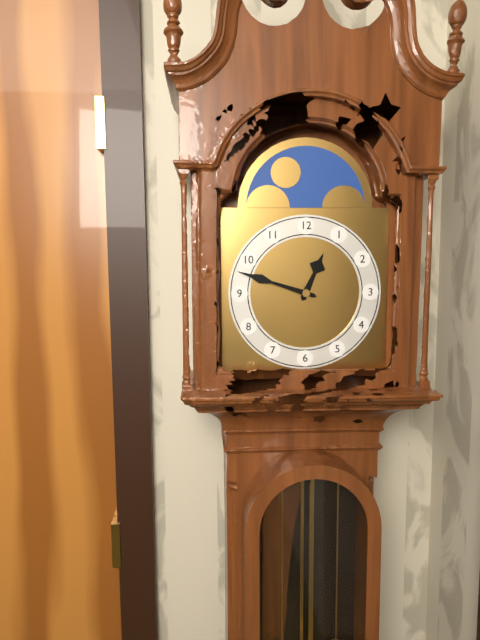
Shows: 12:48
